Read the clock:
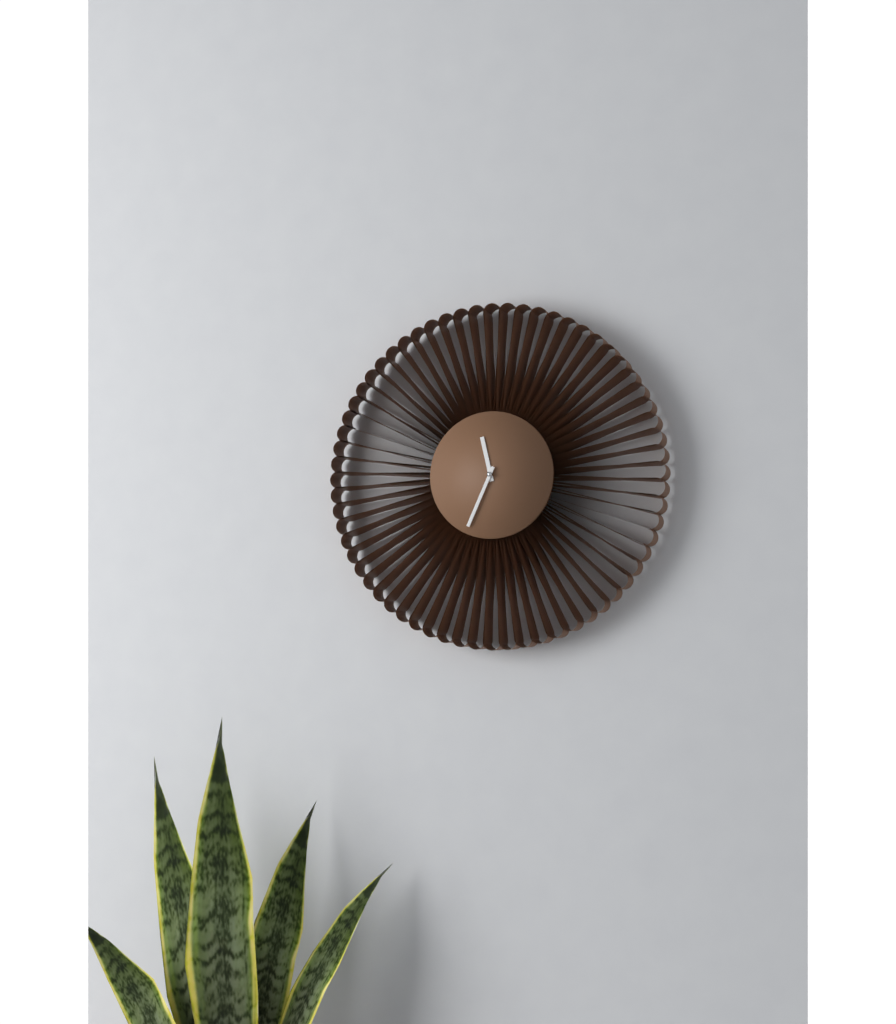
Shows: 11:34
